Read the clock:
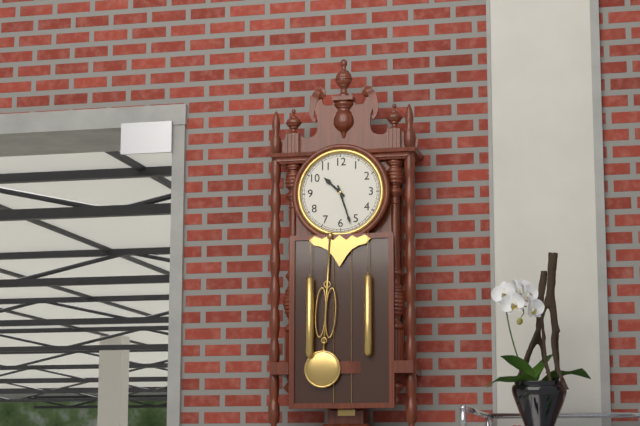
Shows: 10:27
